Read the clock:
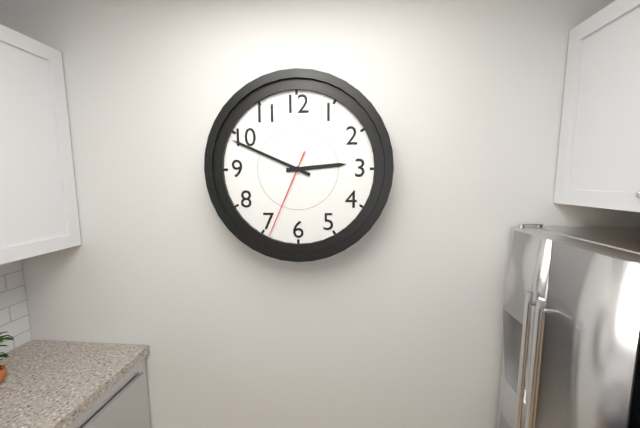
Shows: 2:49:34
